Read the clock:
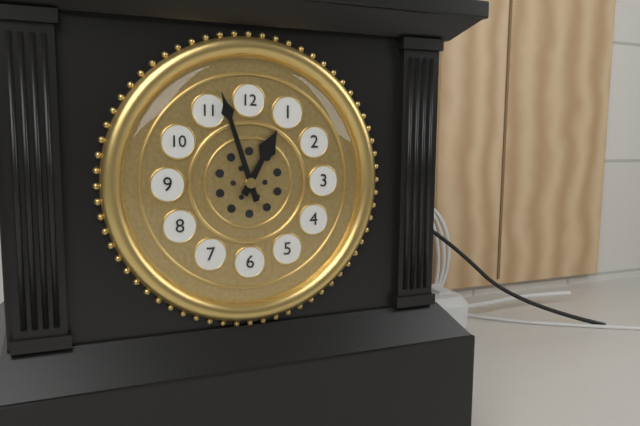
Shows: 12:57
